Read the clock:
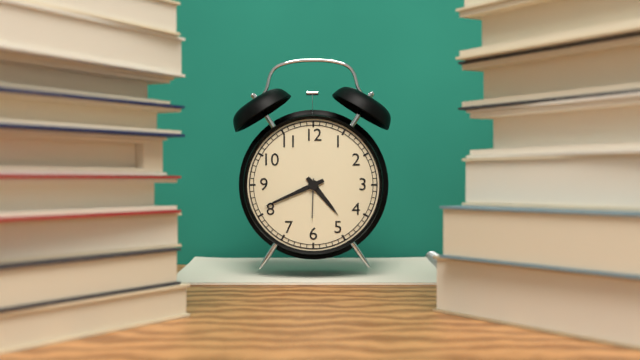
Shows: 4:41
